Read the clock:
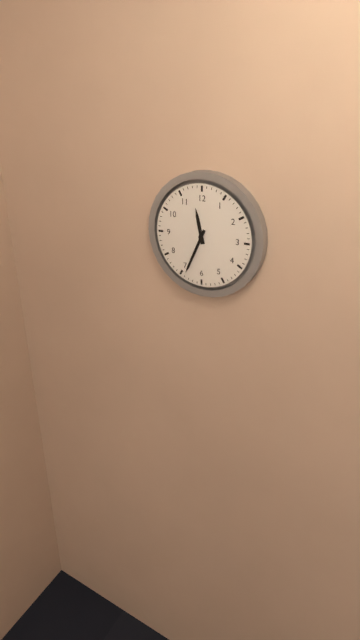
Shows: 11:34
